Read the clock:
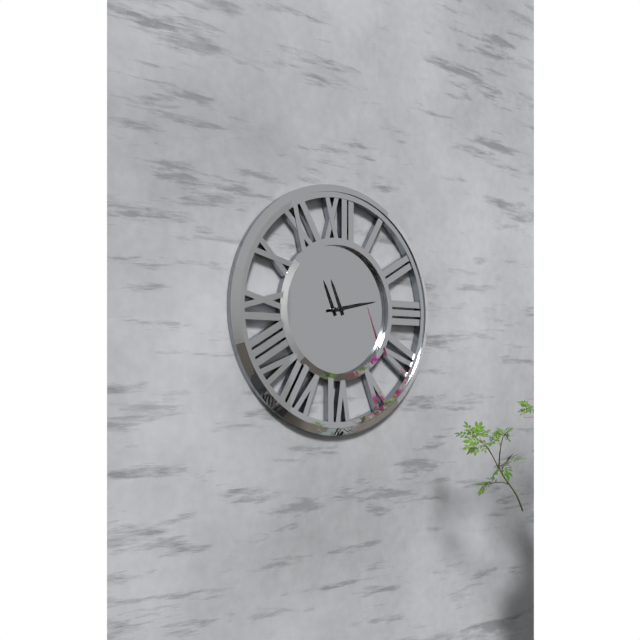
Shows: 11:13
